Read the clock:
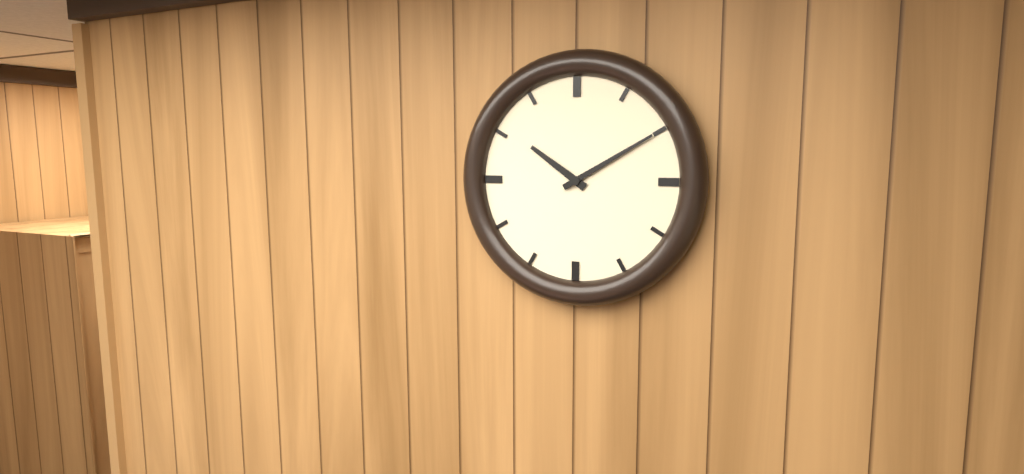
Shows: 10:10
